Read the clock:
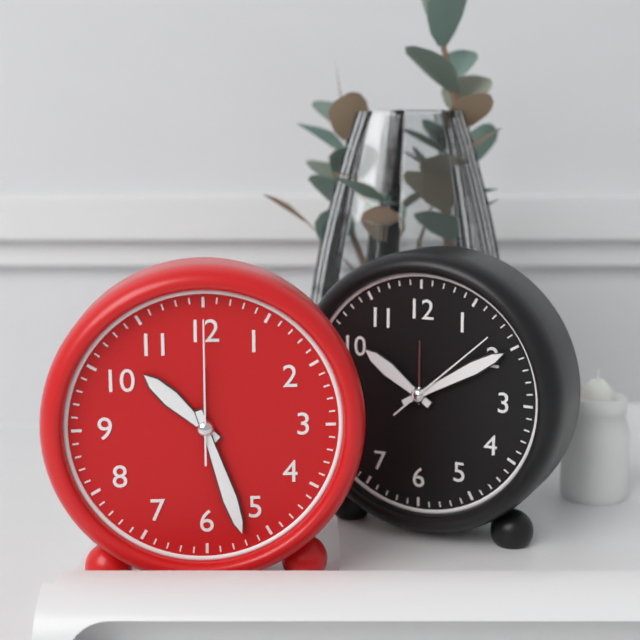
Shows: 10:27:00
